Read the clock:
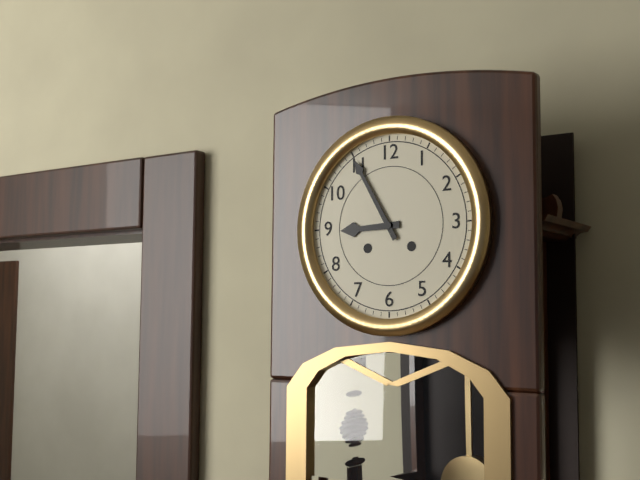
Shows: 8:55
